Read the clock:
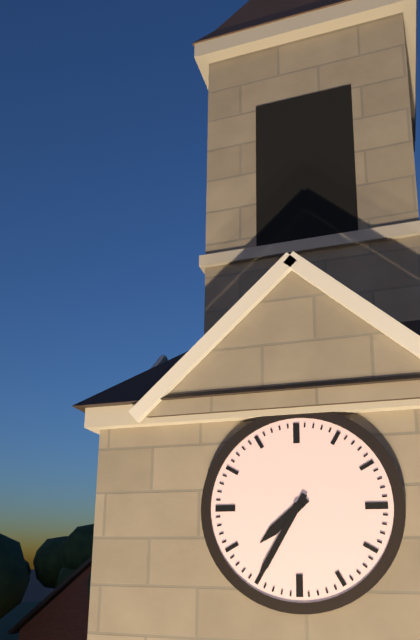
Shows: 7:35
